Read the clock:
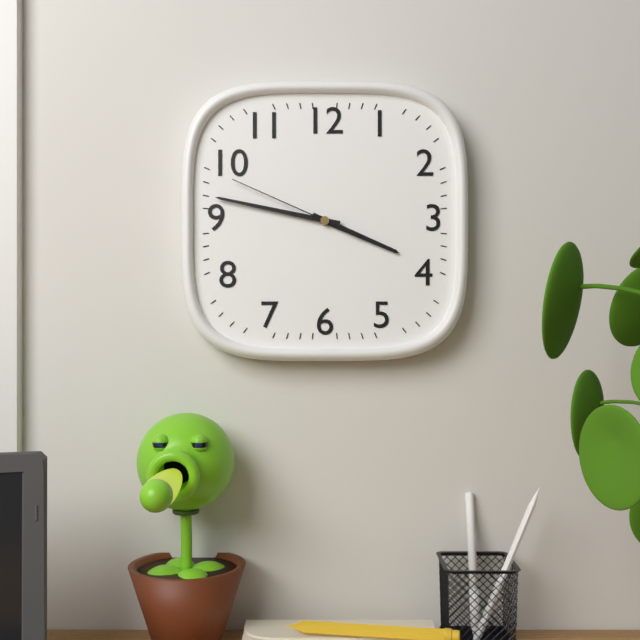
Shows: 3:47:49
